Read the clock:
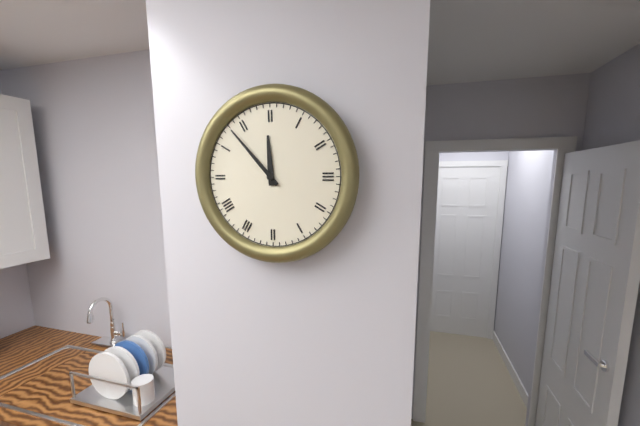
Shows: 11:53
